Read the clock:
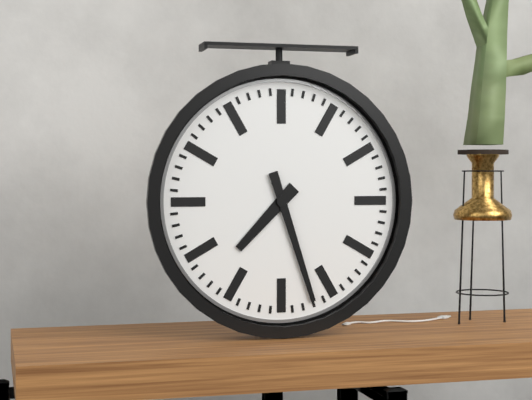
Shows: 7:27
